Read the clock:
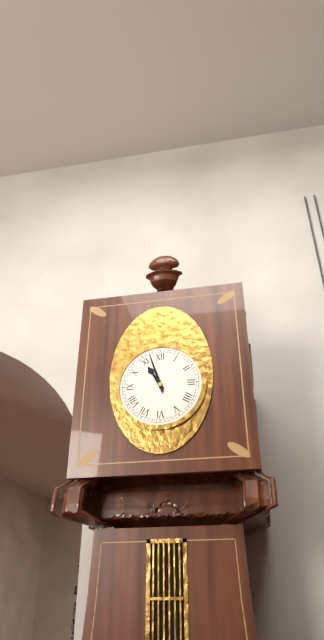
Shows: 10:57
